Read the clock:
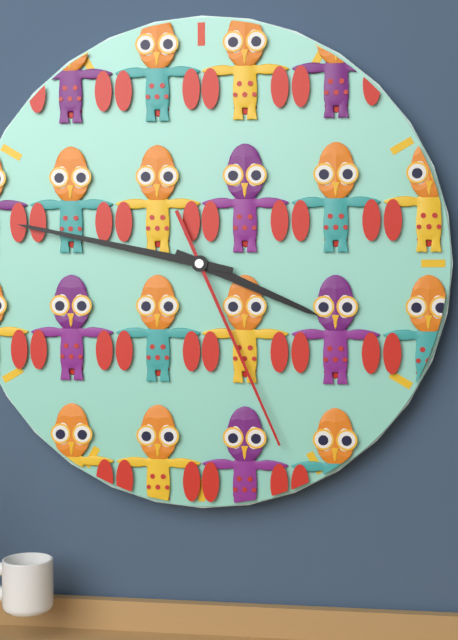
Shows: 3:47:26
